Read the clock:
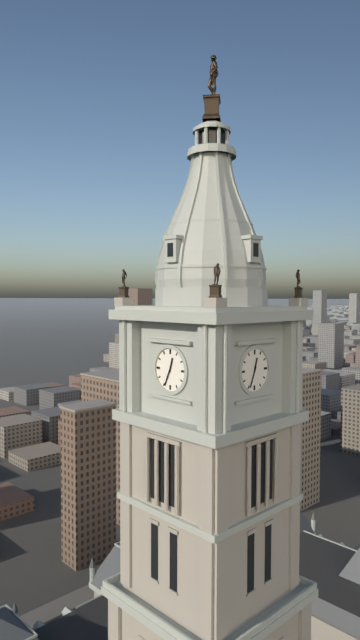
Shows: 12:34
